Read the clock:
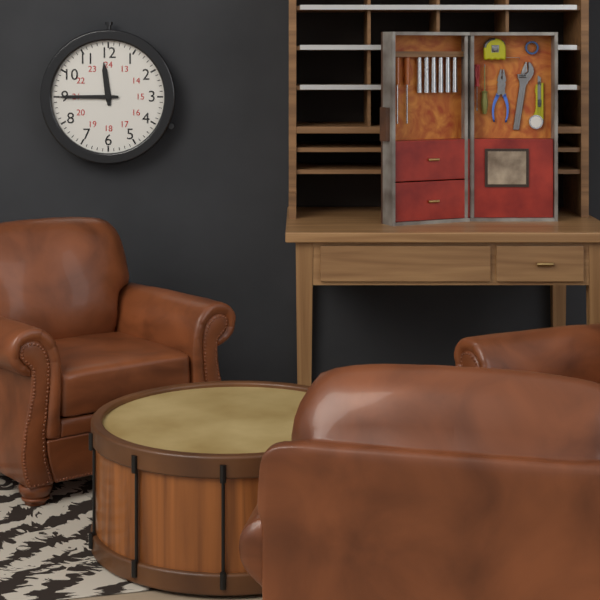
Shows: 11:45
